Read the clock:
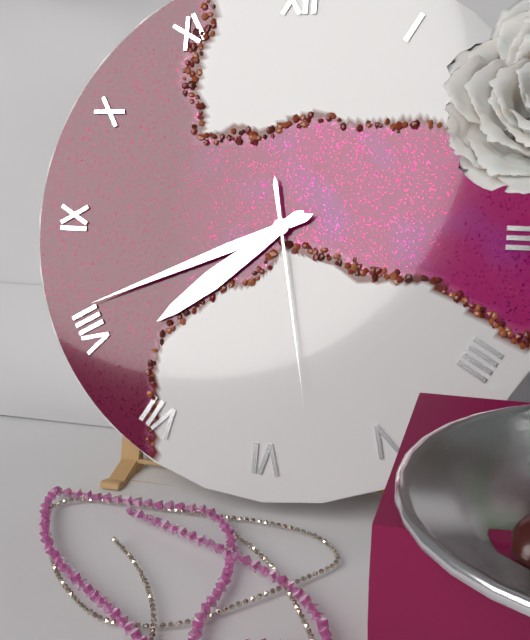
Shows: 7:41:28
